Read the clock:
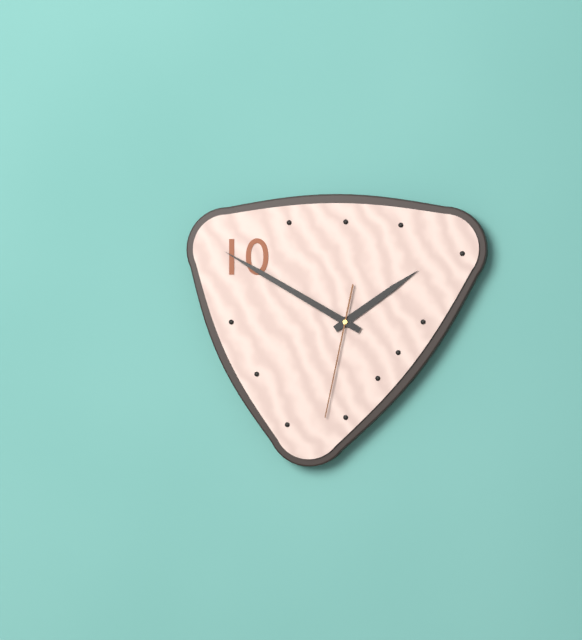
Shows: 1:50:32
